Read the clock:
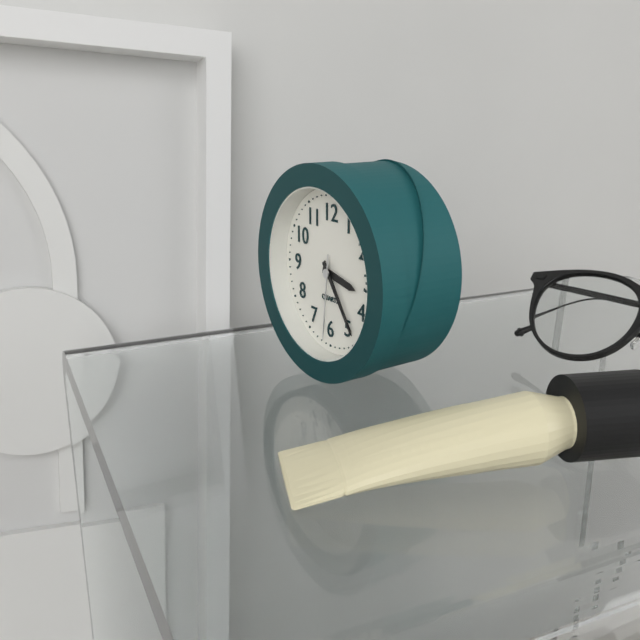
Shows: 3:24:31
